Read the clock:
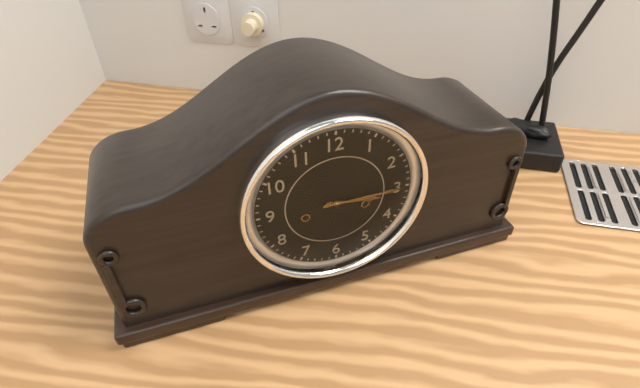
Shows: 3:15
